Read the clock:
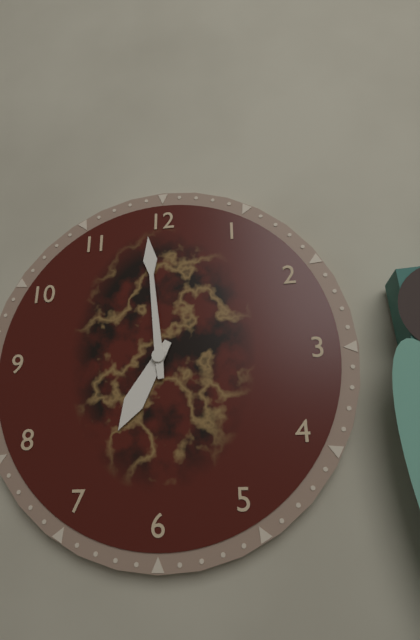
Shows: 6:59
